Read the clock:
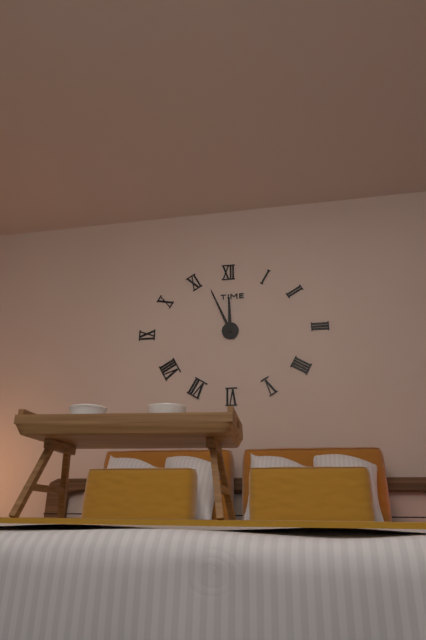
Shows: 11:56
